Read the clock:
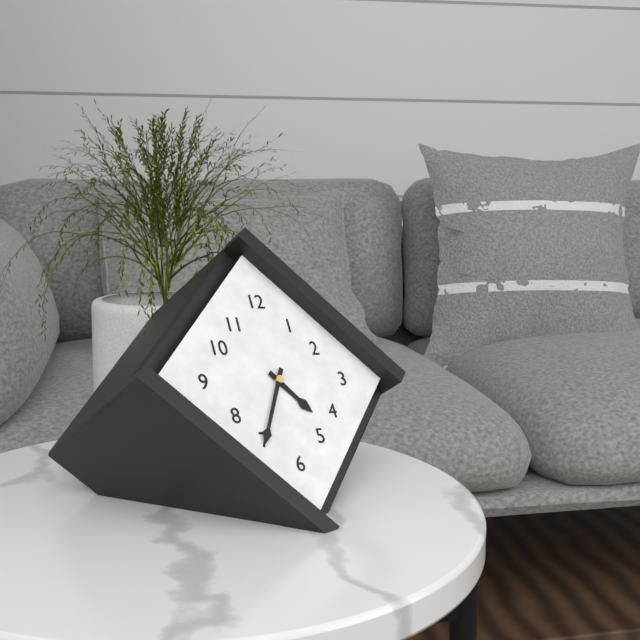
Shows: 4:35
